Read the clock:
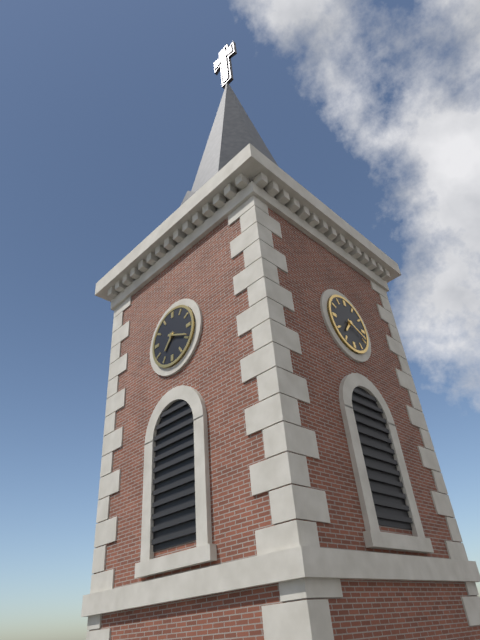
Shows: 7:19
